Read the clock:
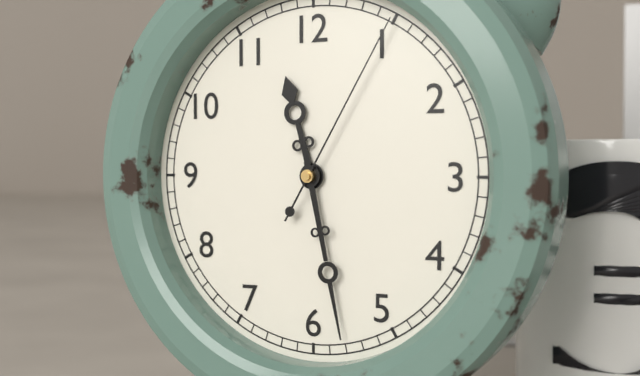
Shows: 11:28:05
